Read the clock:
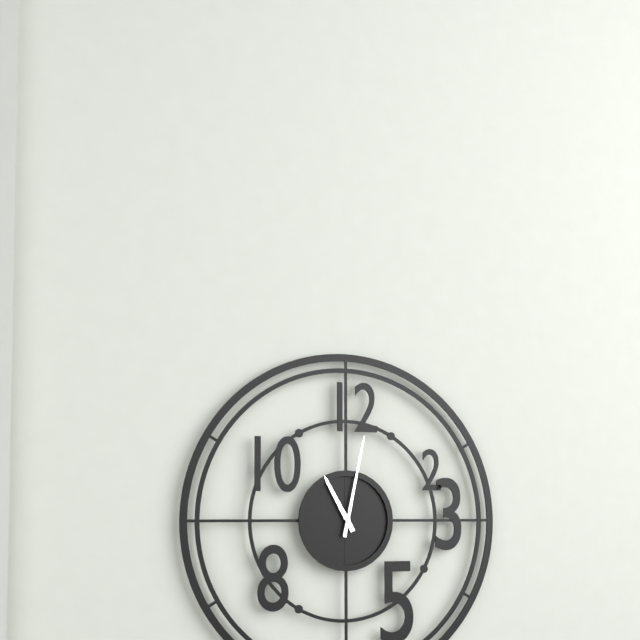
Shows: 11:02
